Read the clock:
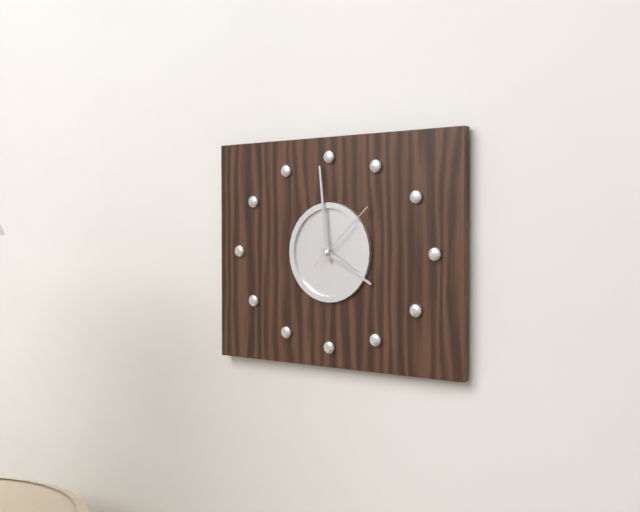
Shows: 3:59:08
